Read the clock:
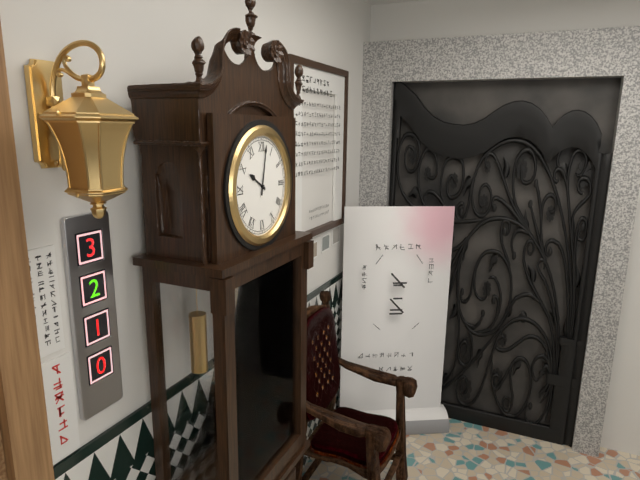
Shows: 10:02
